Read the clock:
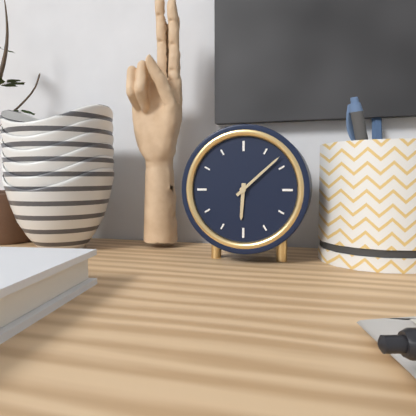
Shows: 6:08
